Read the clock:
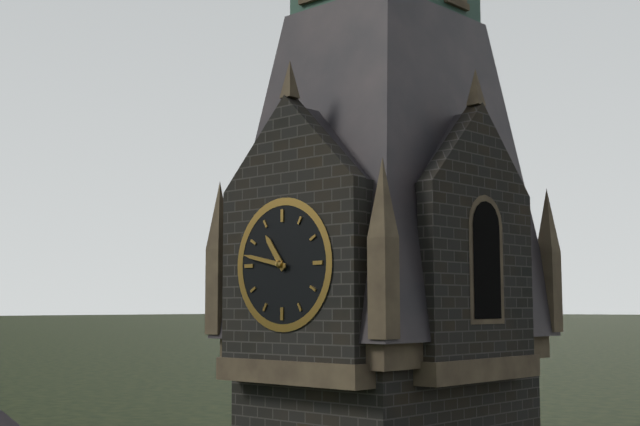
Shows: 10:47
